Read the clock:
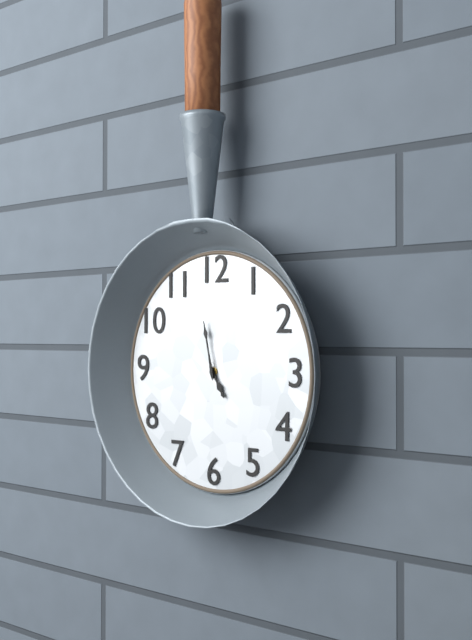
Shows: 4:58
